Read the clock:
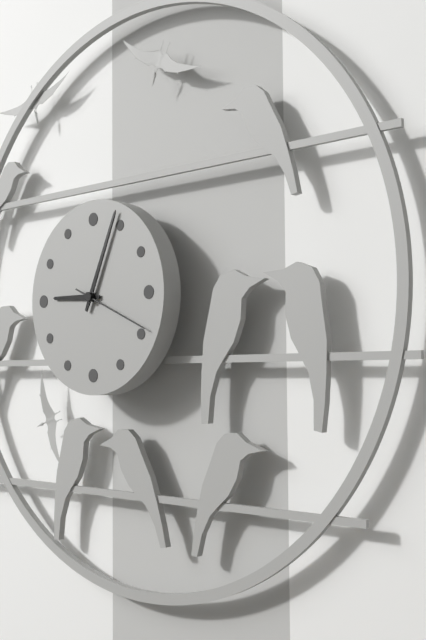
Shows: 9:04
